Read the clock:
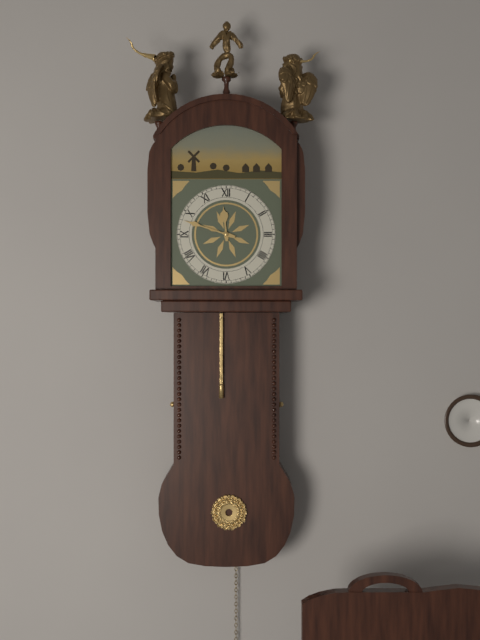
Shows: 11:48
